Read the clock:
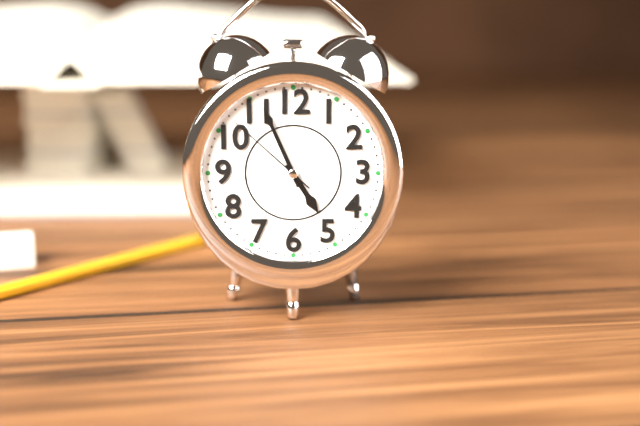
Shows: 4:56:52
